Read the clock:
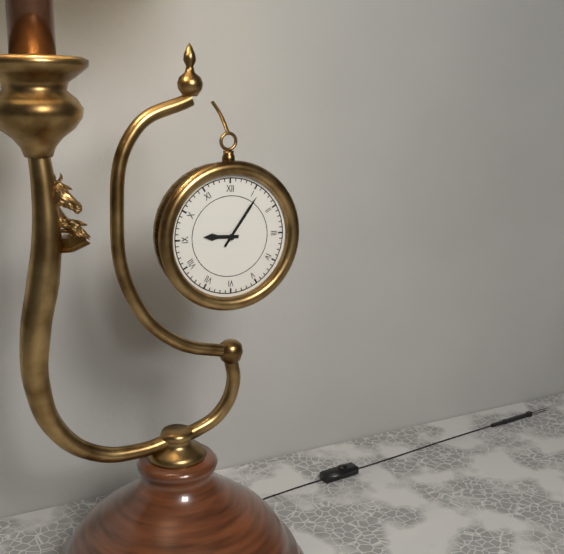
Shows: 9:06
